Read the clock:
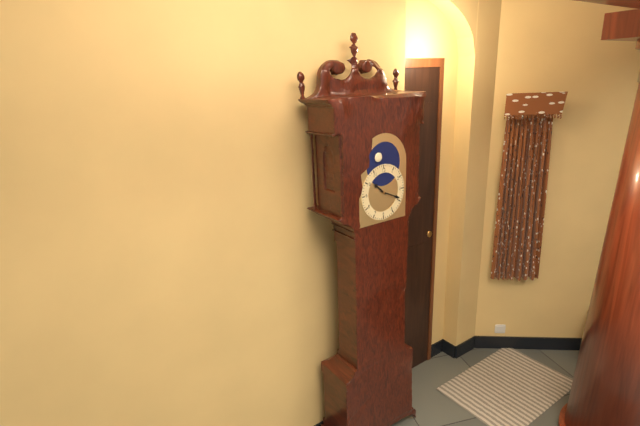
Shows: 10:19
